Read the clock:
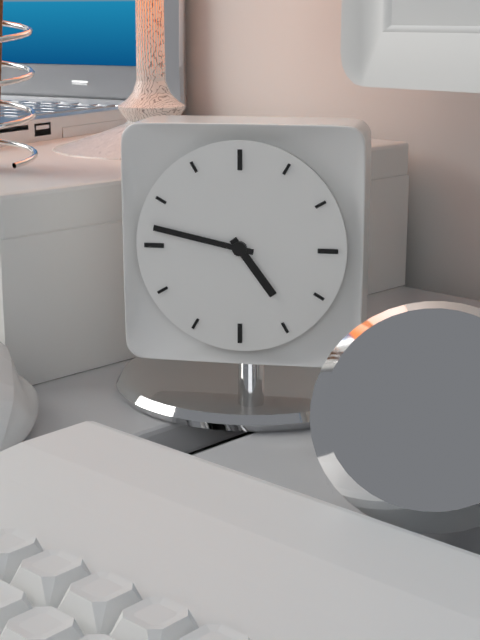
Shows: 4:47
